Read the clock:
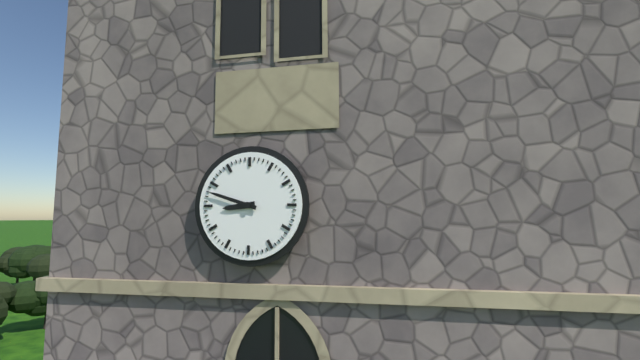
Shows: 8:48
